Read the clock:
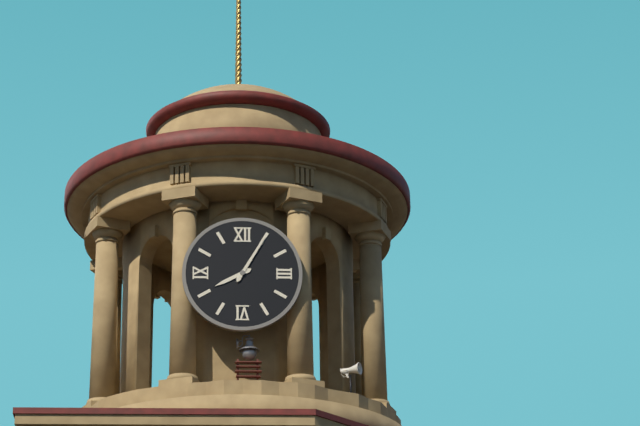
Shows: 8:05
